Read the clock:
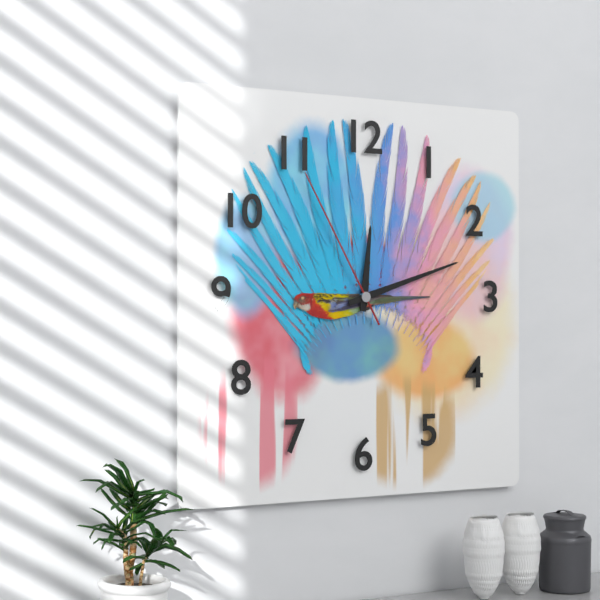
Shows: 12:12:55
